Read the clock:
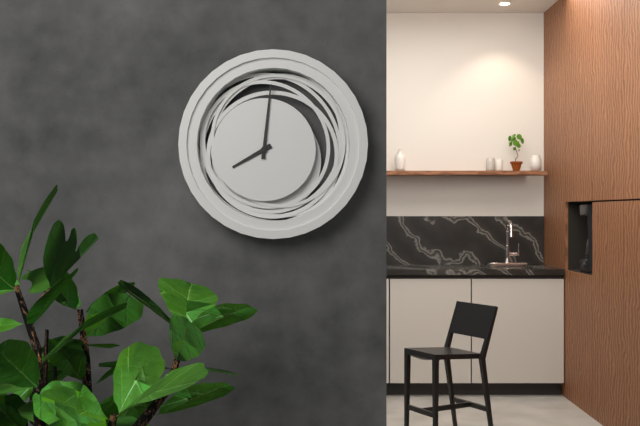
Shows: 8:01
